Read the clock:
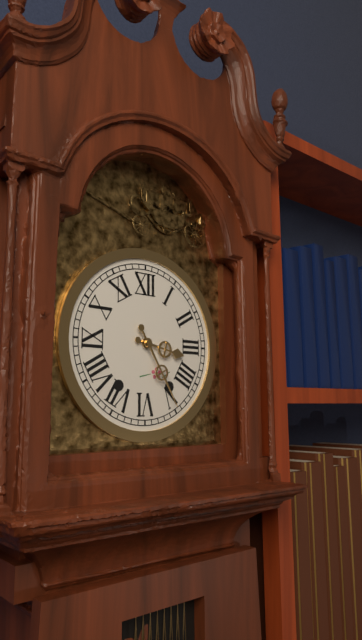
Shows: 3:25
